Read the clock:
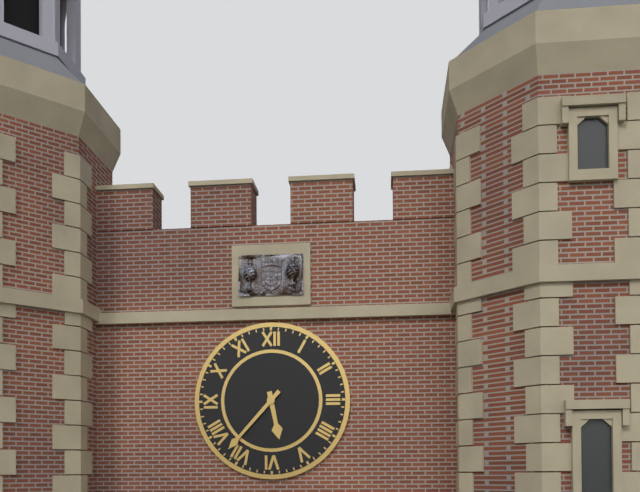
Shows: 5:37
